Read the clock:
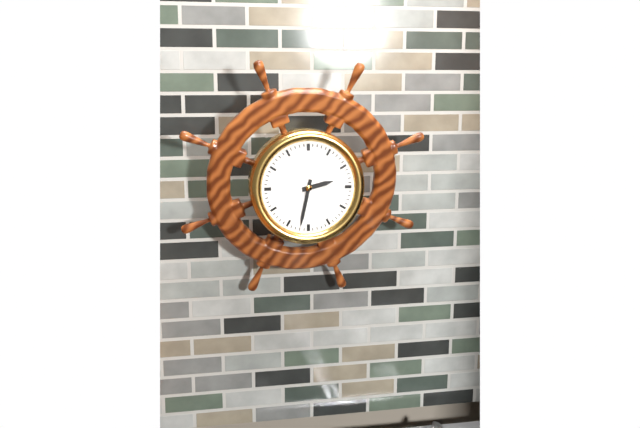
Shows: 2:32
